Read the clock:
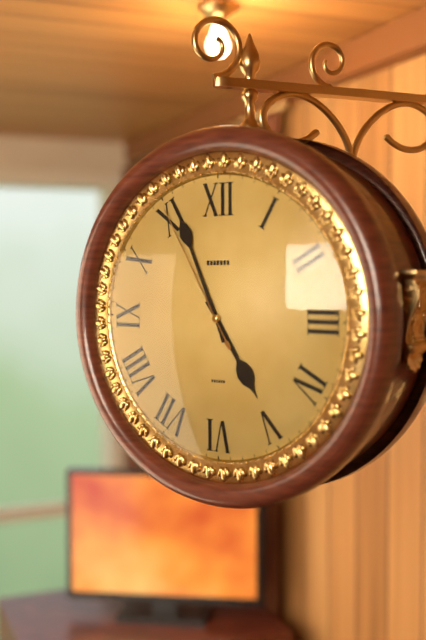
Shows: 4:56:55
